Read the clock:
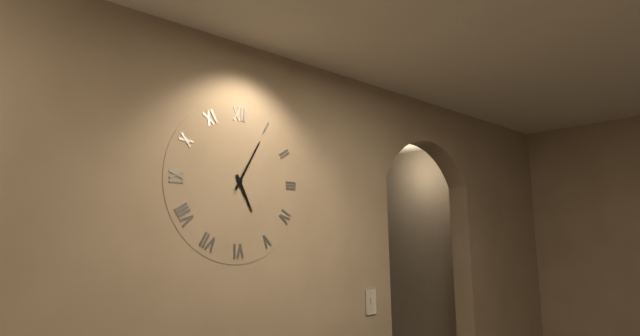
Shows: 5:05
